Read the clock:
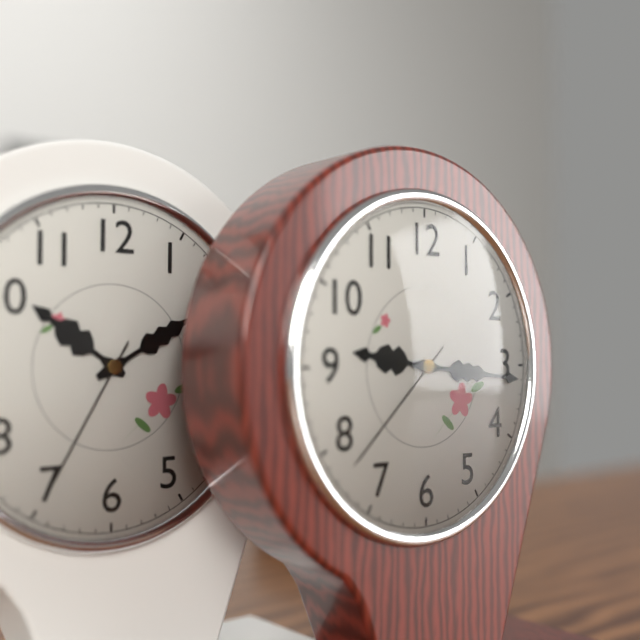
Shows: 9:16:38
